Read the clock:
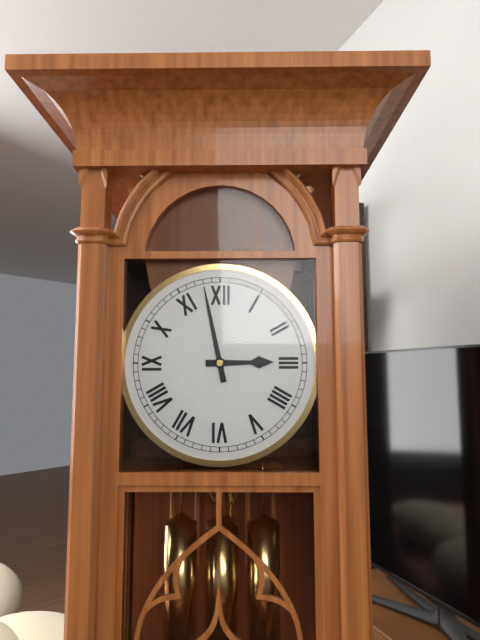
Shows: 2:58
